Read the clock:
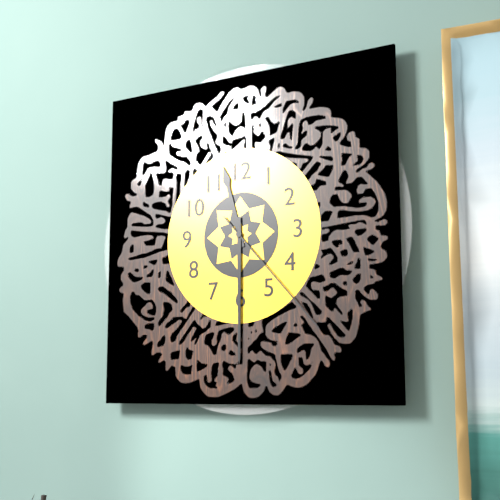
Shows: 11:30:23
